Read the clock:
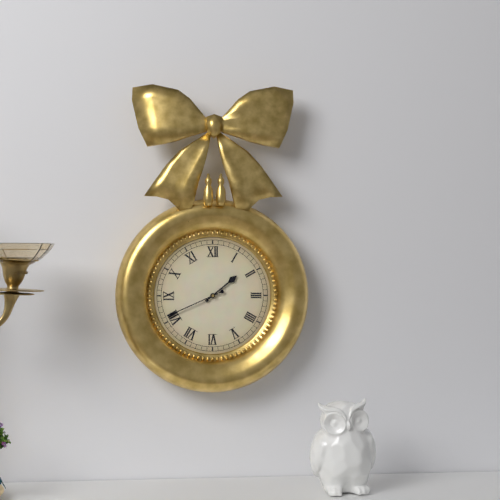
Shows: 1:41
